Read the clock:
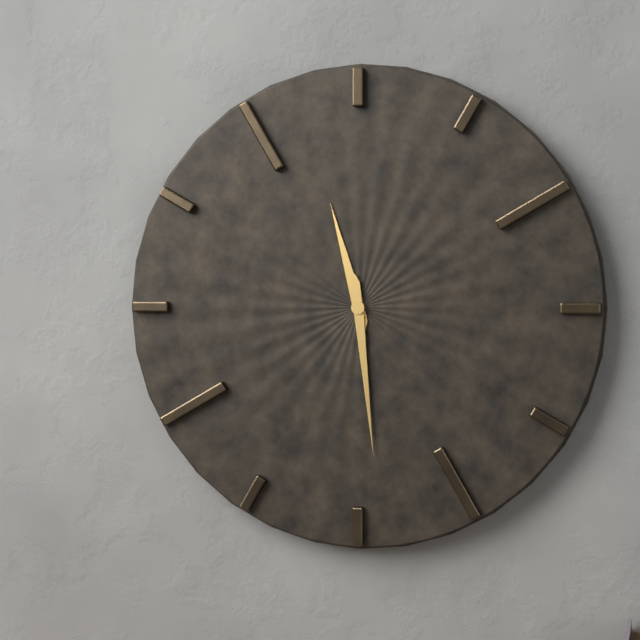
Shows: 11:29
